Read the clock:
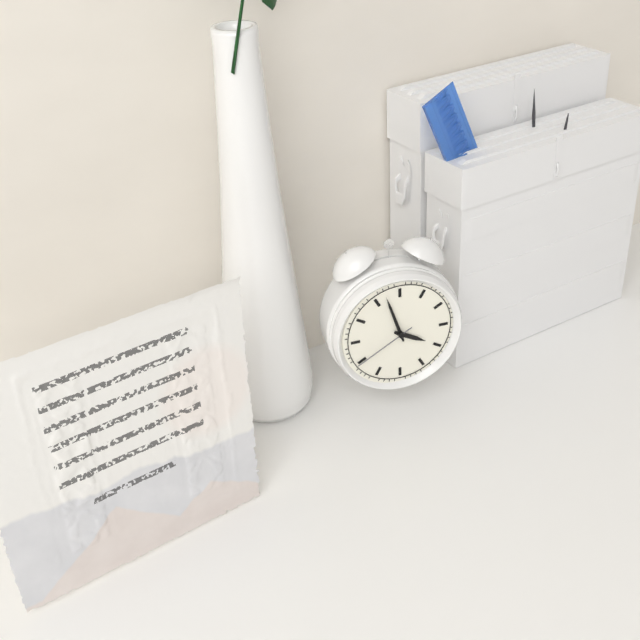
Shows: 3:57:40
